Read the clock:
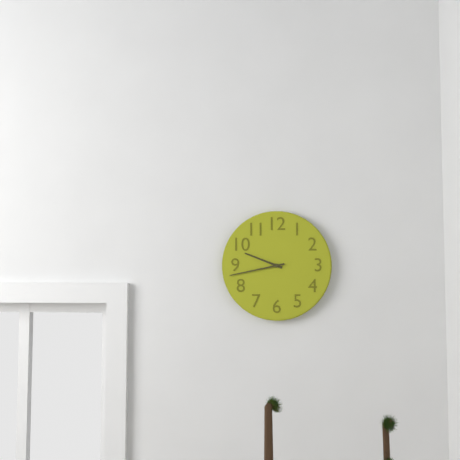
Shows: 9:43
